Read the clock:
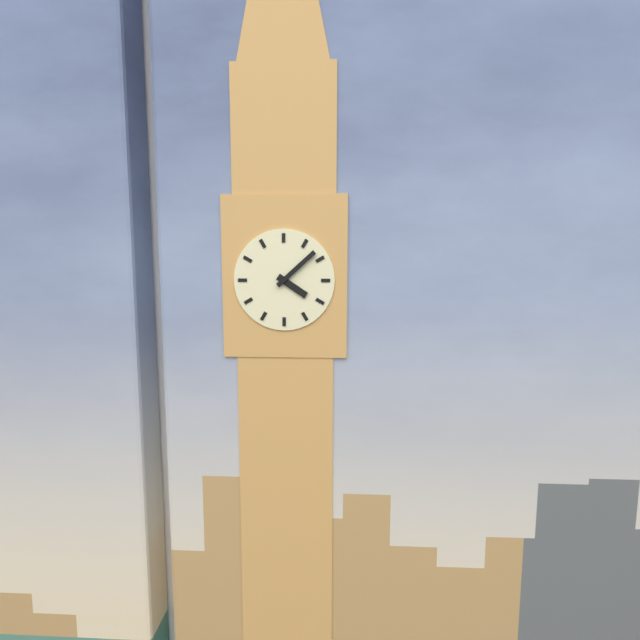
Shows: 4:08
